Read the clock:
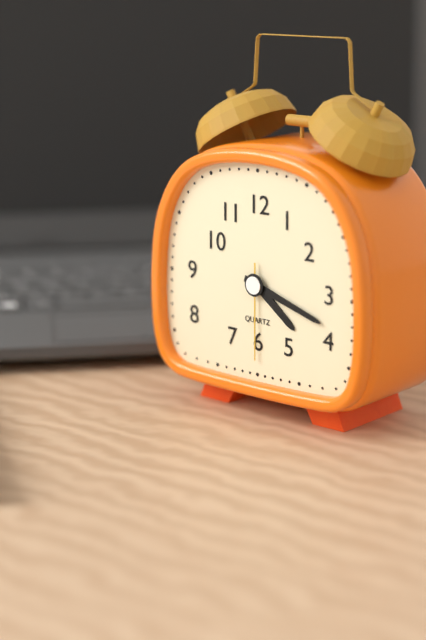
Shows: 4:18:30
